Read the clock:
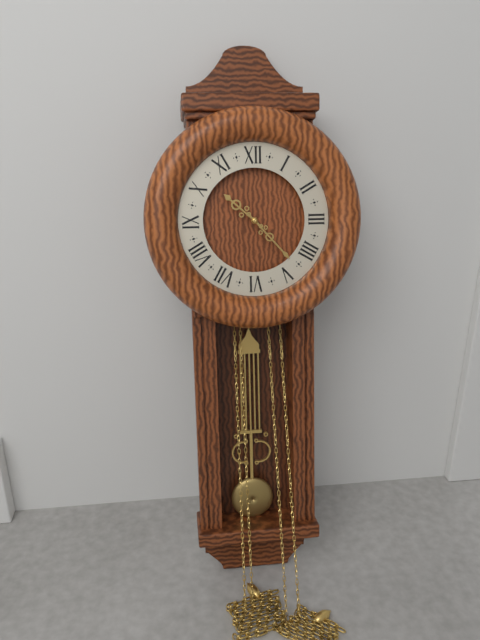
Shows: 10:23
